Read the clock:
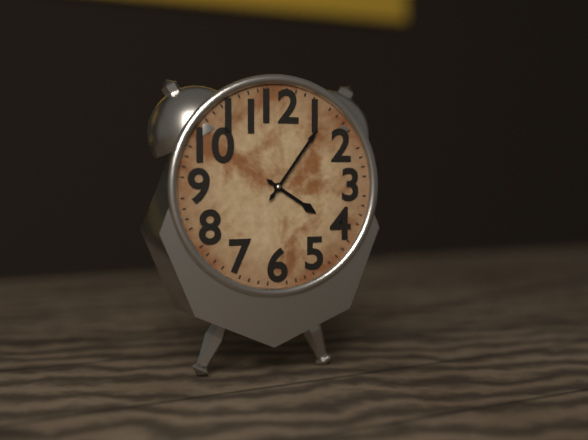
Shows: 4:06
